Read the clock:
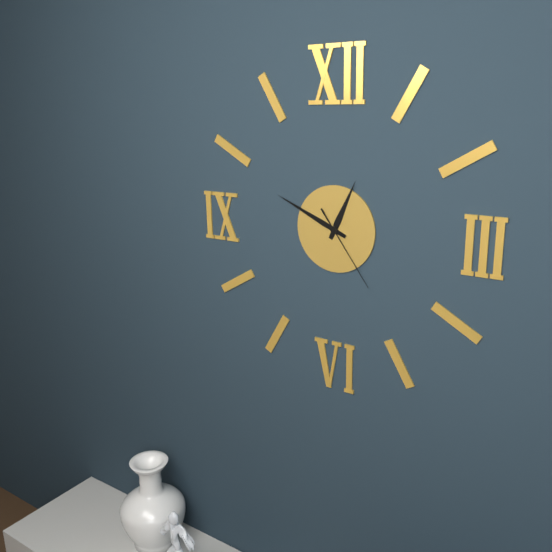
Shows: 12:49:24
